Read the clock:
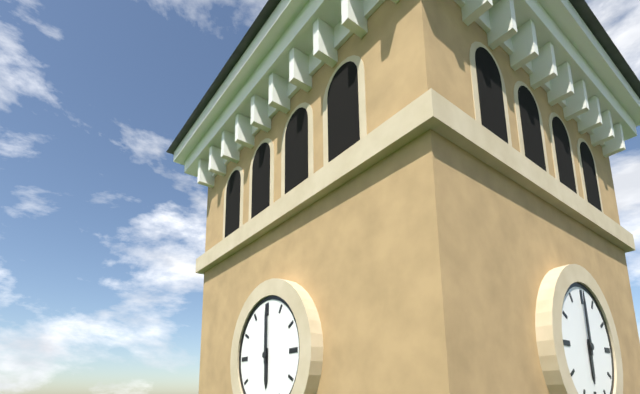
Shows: 6:00
